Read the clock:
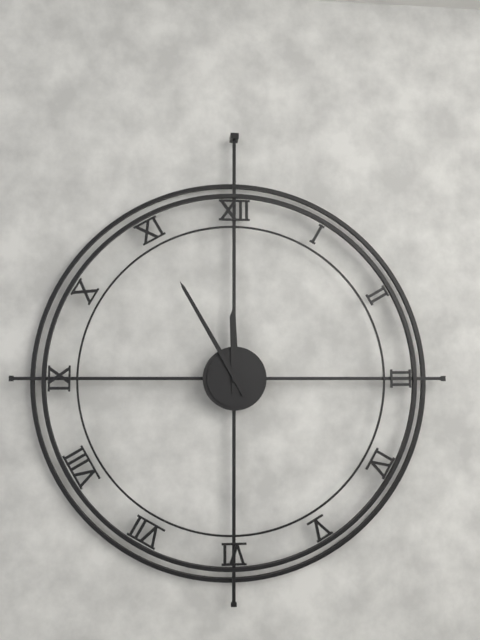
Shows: 11:55
